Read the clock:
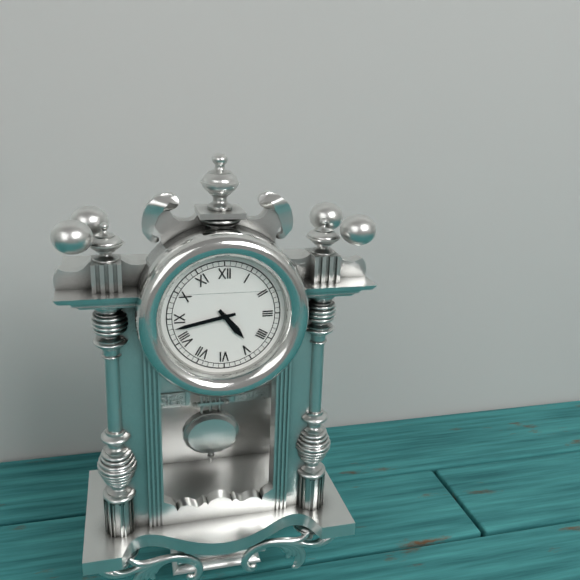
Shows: 4:43
